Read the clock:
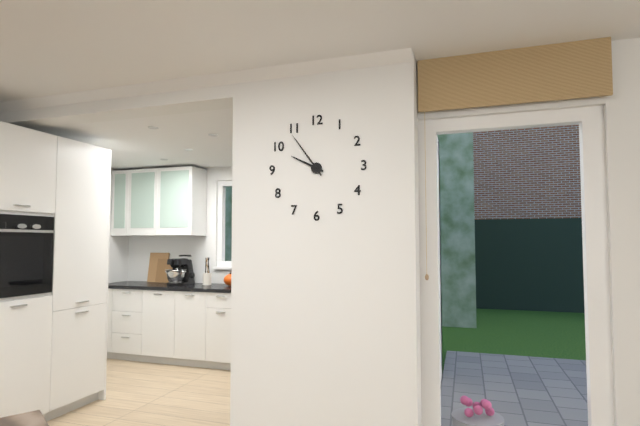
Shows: 9:54
